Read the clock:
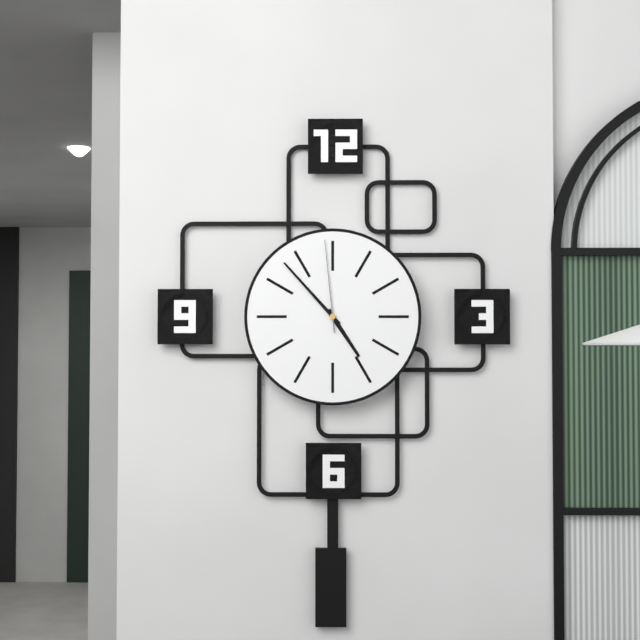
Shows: 4:53:59
